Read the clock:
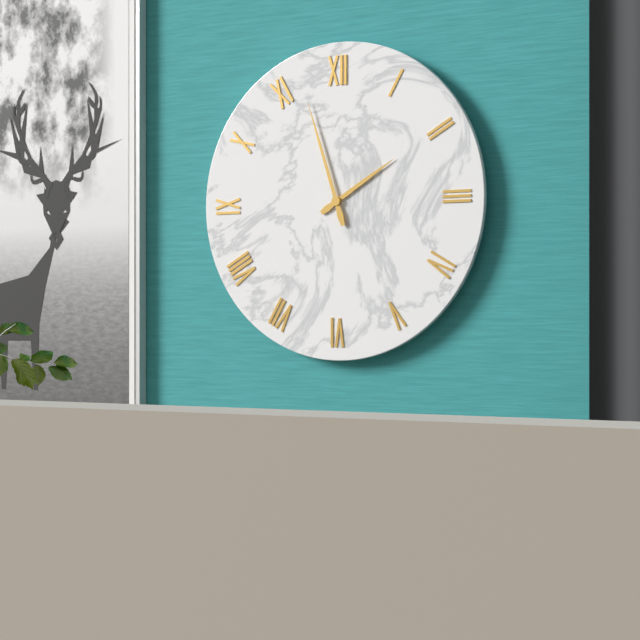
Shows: 1:57
